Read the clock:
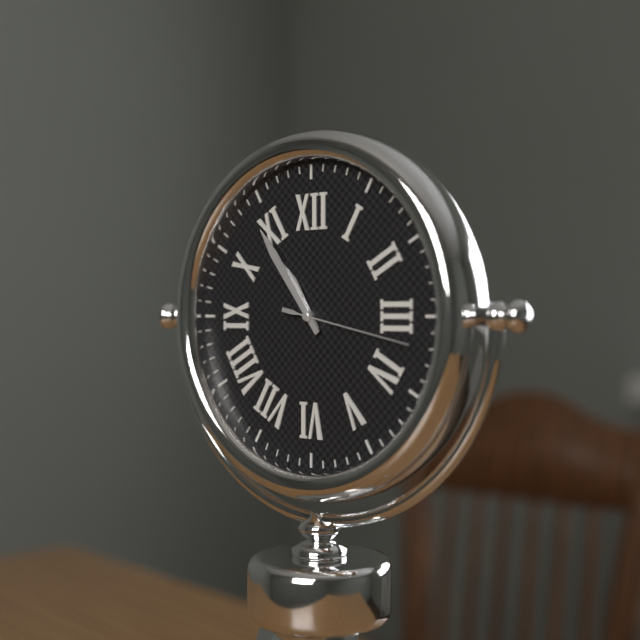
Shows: 10:54:17
